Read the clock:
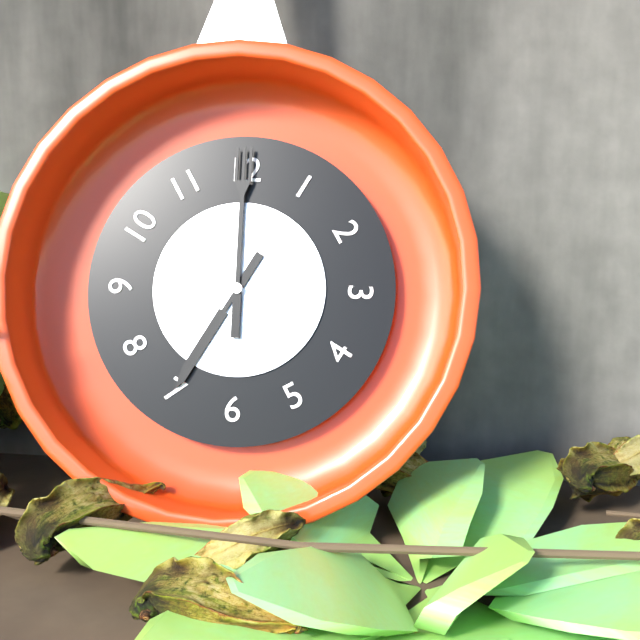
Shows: 7:00
